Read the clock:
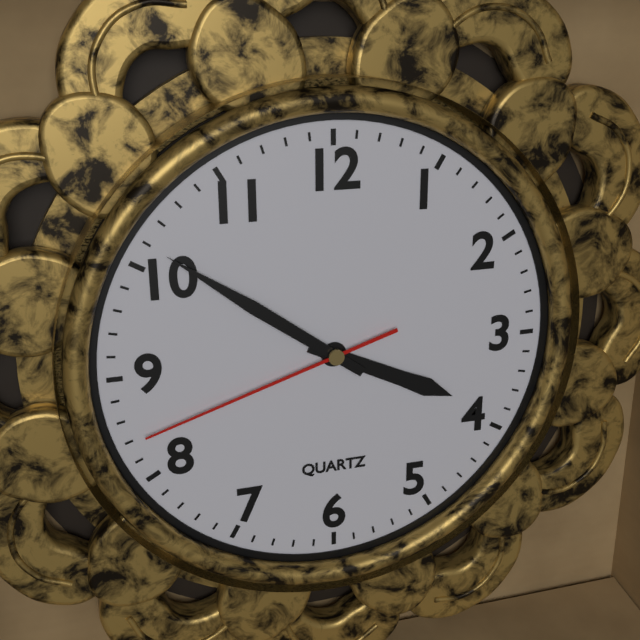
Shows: 3:51:42
